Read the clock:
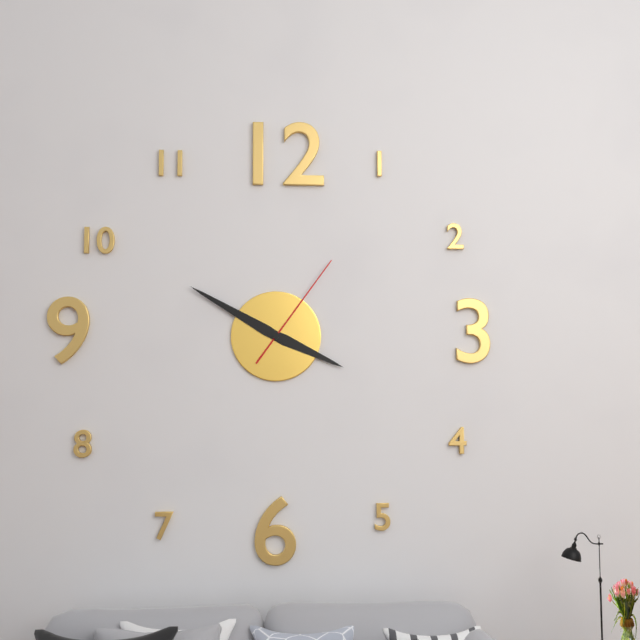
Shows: 3:50:06
